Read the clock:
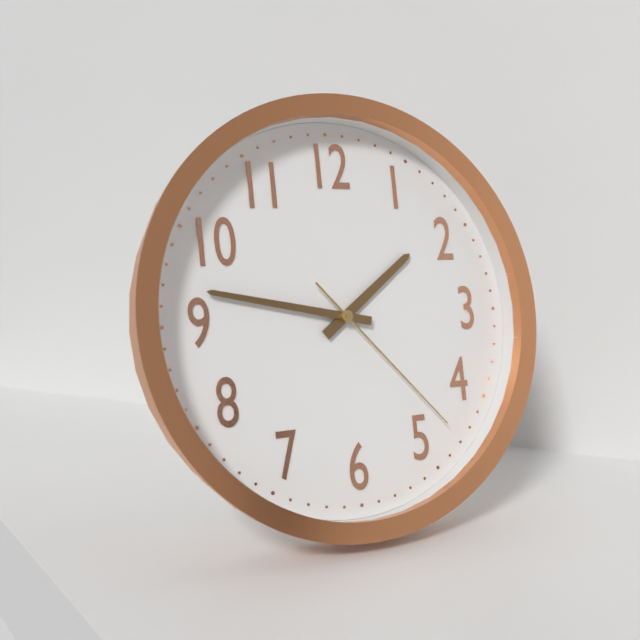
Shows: 1:47:23
